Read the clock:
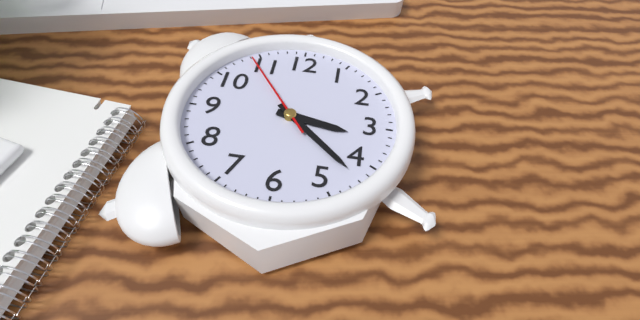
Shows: 3:22:54
